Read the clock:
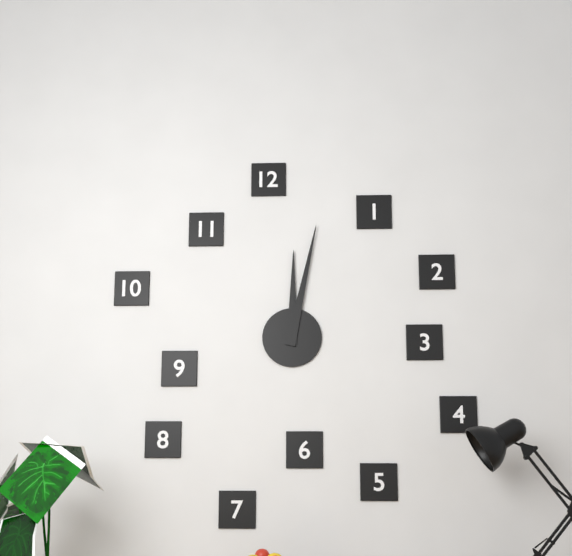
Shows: 12:02
